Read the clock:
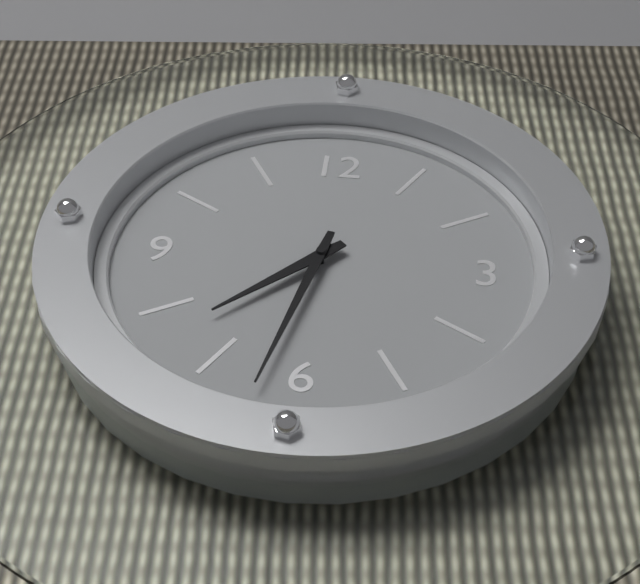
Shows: 7:32
